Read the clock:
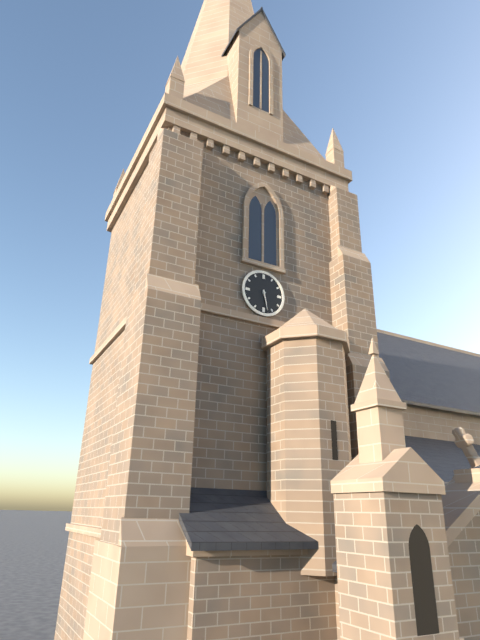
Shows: 5:28
